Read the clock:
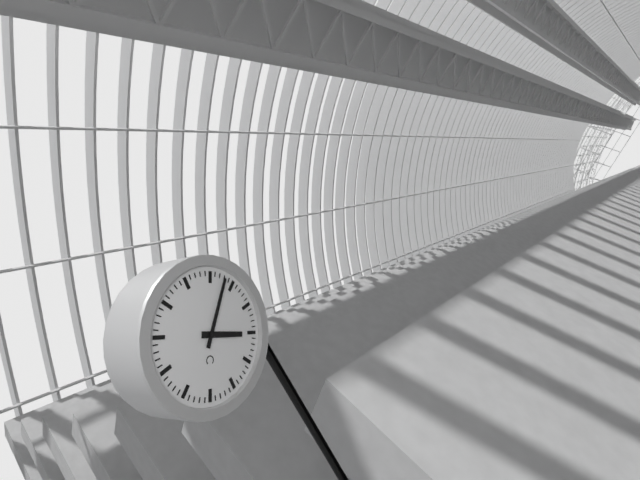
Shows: 3:03
